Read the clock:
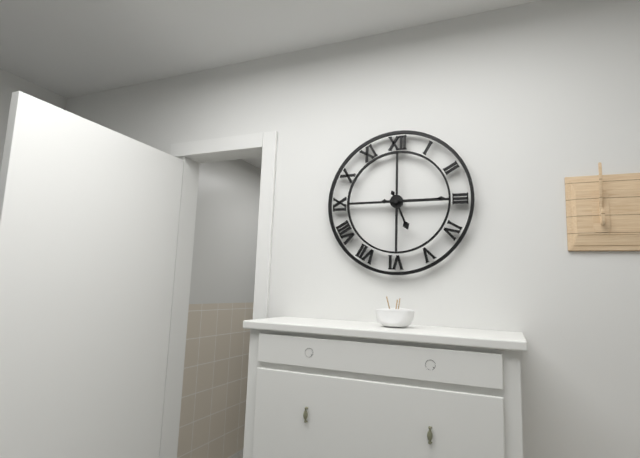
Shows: 5:15
